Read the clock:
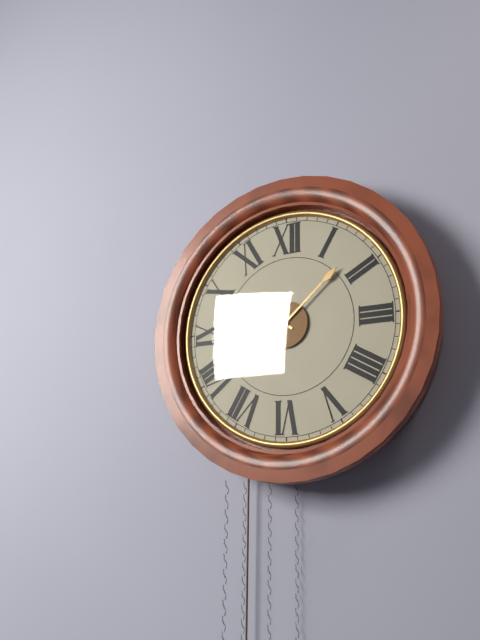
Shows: 10:08
